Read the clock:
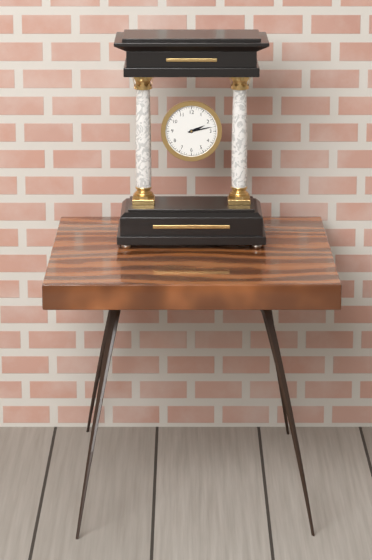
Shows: 2:13
